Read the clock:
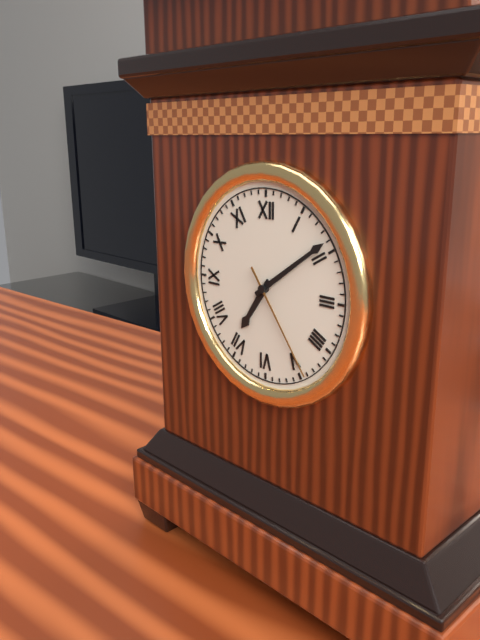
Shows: 7:09:24
